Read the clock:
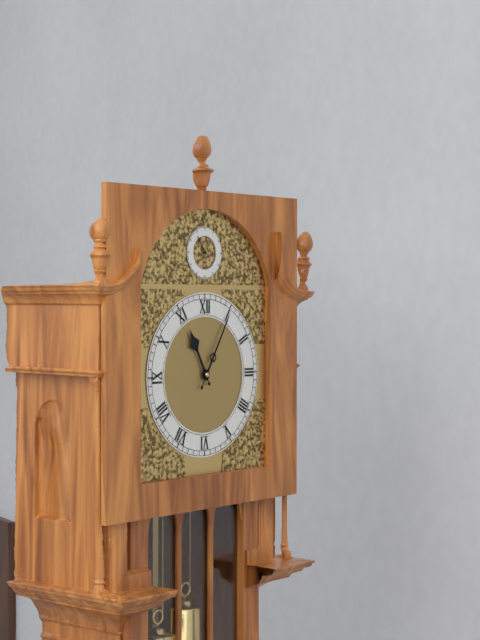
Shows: 11:05
